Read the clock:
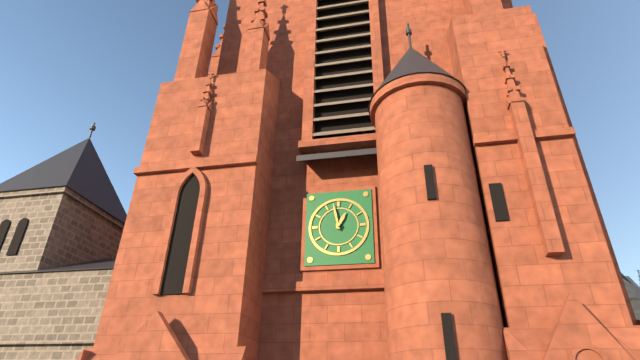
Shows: 12:58
